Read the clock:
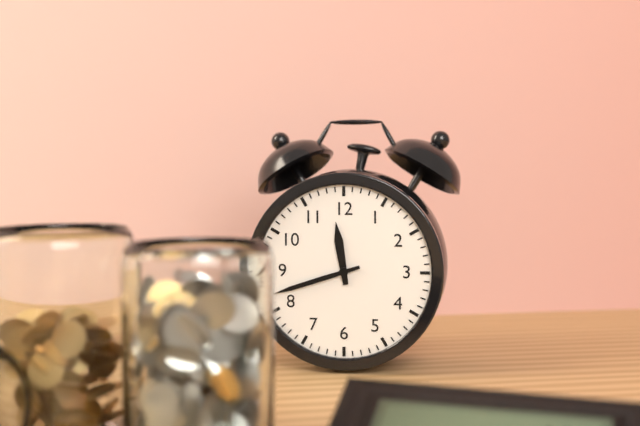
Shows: 11:42
